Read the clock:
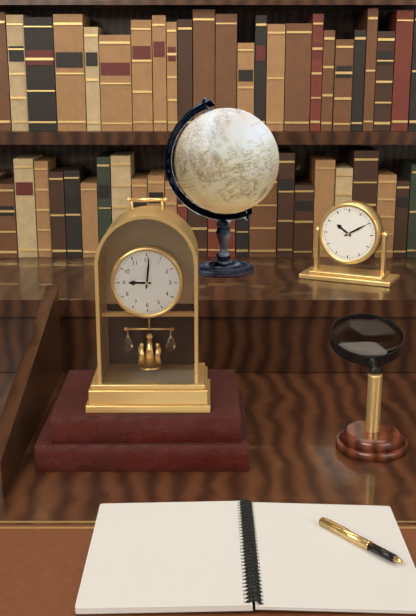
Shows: 9:01
